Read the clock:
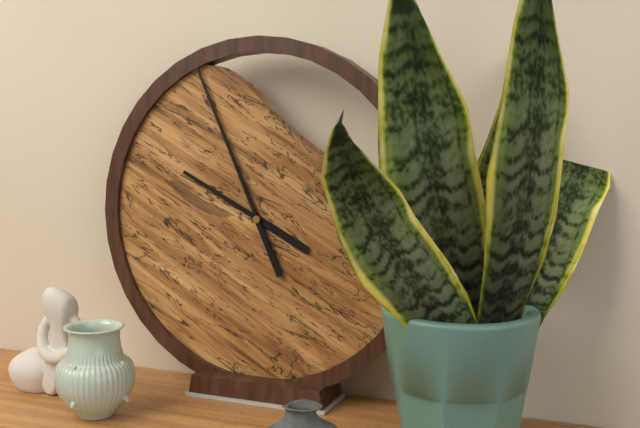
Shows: 9:56
